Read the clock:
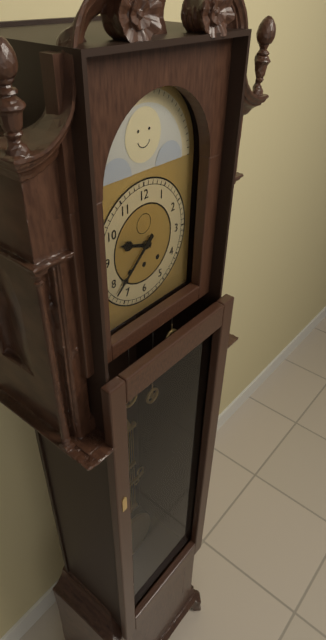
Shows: 9:38
